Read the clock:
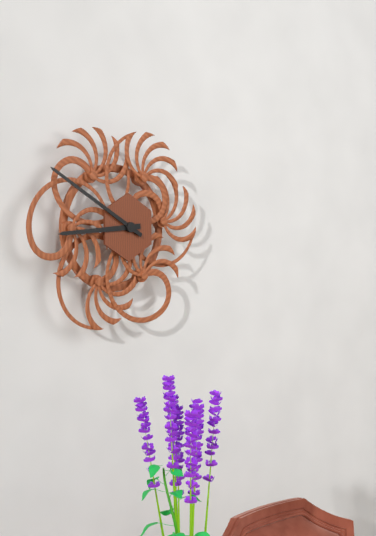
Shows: 8:50
